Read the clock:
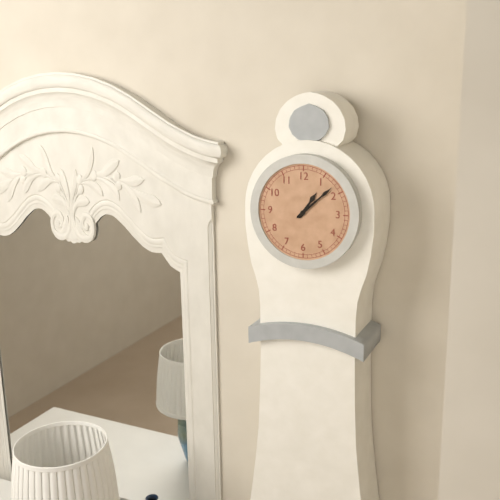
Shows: 1:08
